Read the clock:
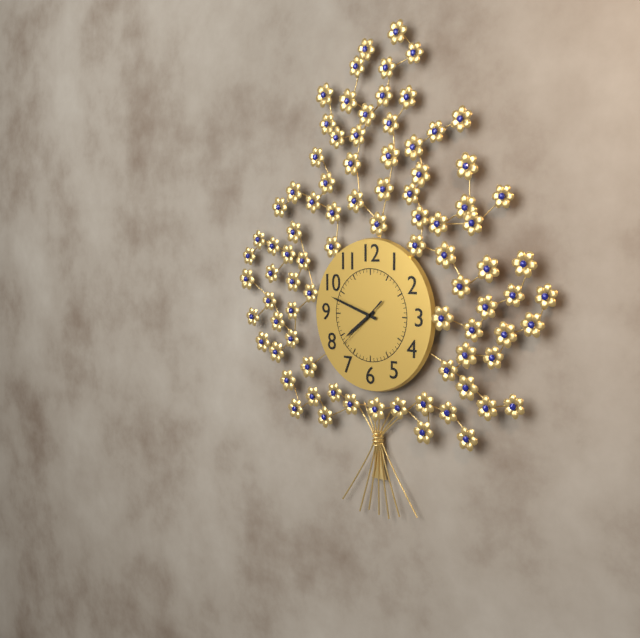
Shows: 7:48
